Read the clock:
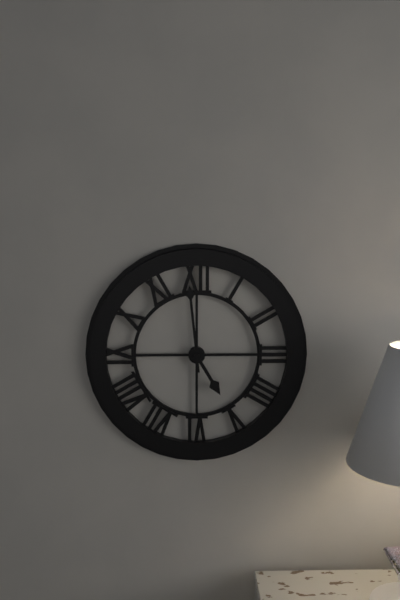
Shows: 4:59
